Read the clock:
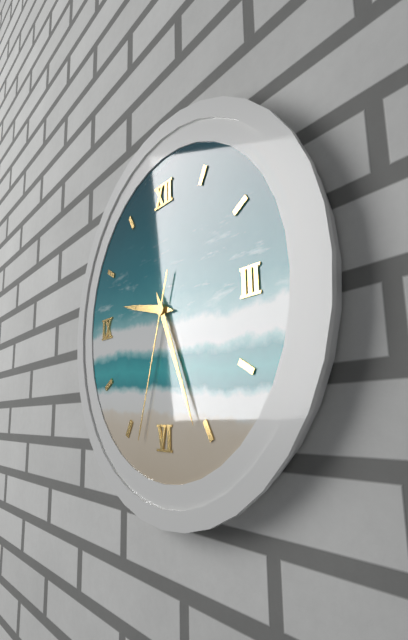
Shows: 9:26:33
